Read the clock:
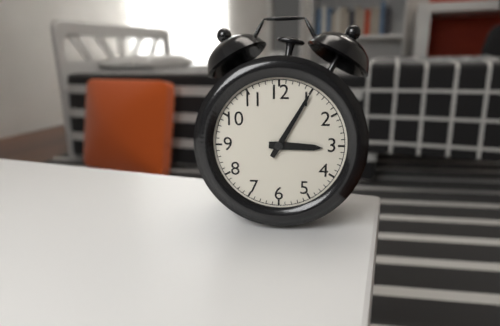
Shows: 3:05
